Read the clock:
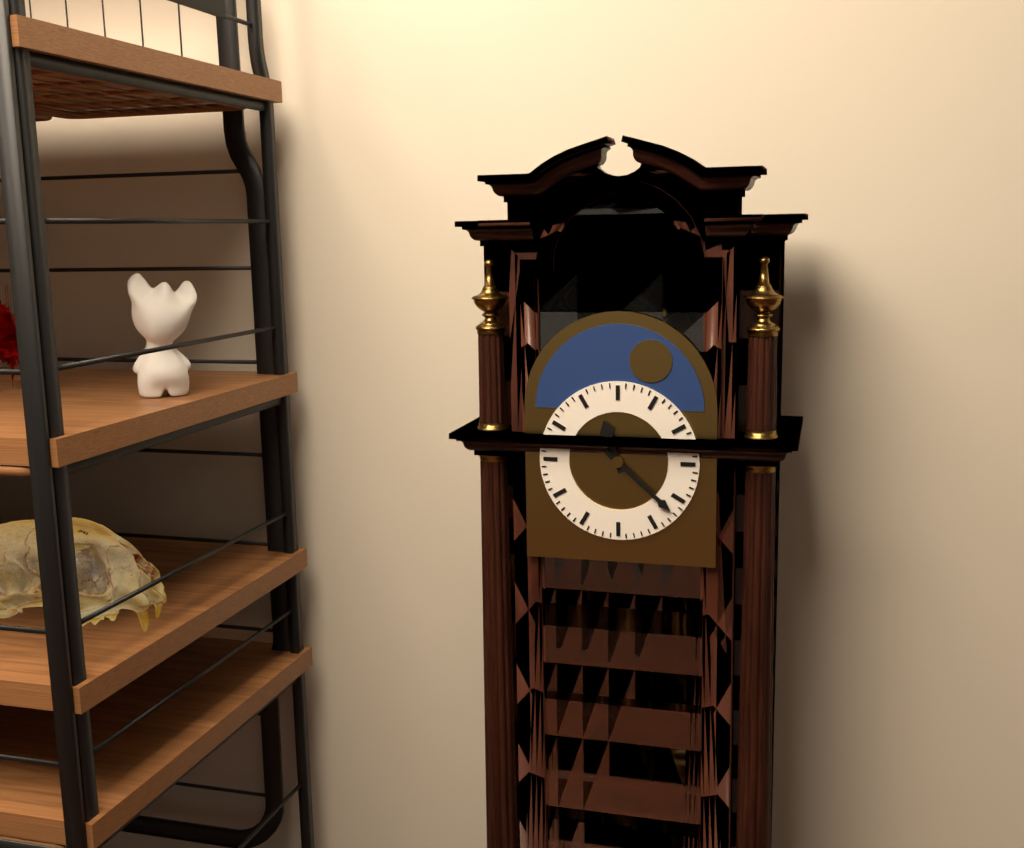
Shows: 11:22
